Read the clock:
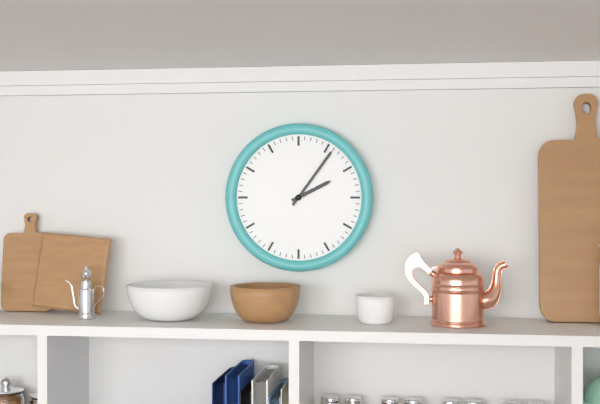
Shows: 2:06
